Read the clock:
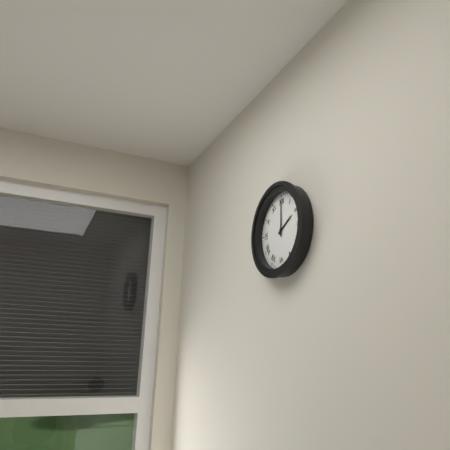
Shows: 2:00
